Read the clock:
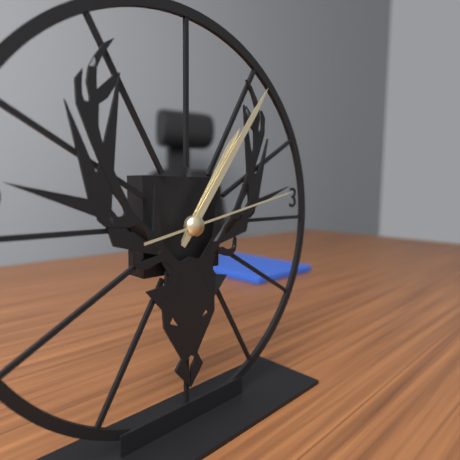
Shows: 1:06:13
